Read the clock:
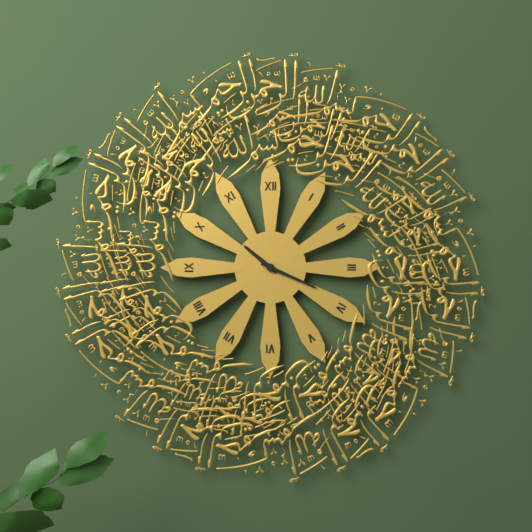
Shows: 10:19
